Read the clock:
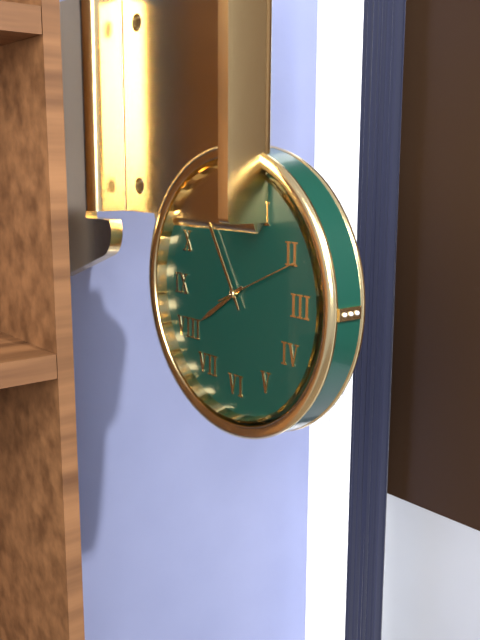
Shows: 7:55:11
